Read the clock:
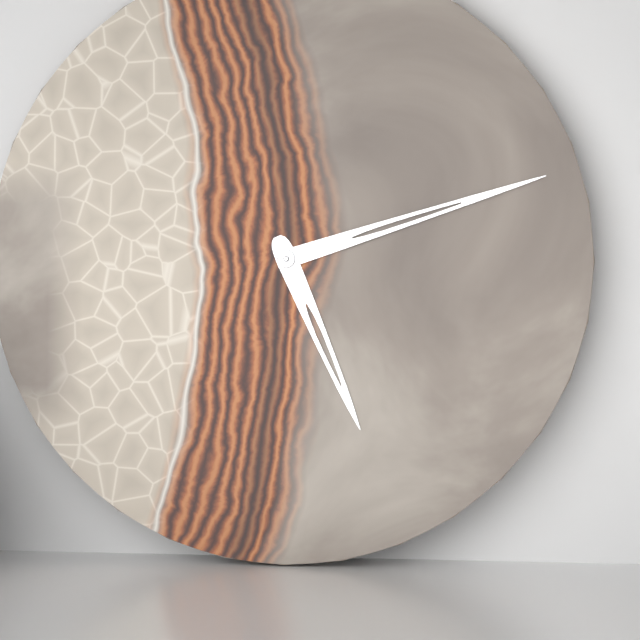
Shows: 5:12
